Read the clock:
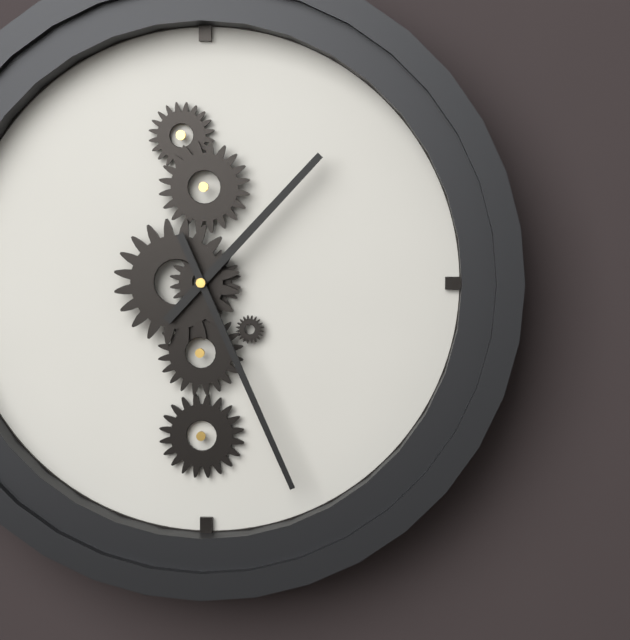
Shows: 1:26
